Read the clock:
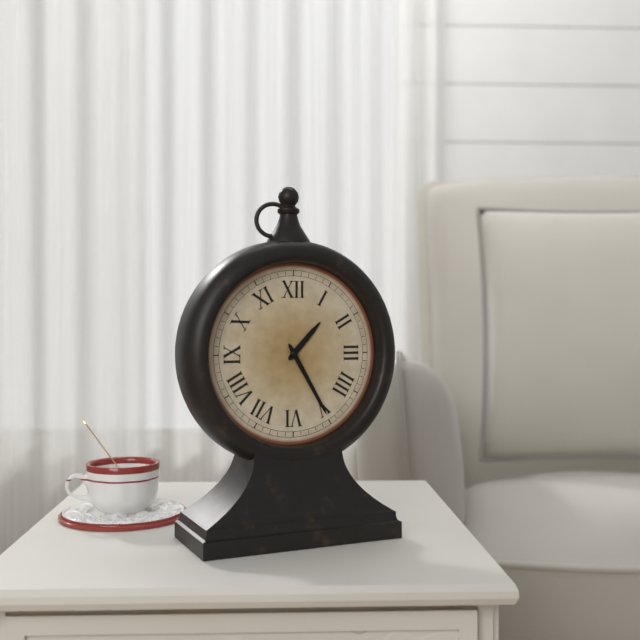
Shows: 1:25
